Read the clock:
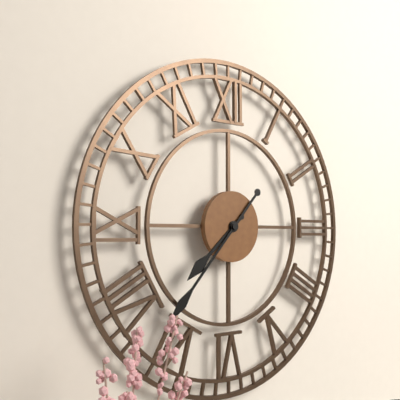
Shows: 7:37
